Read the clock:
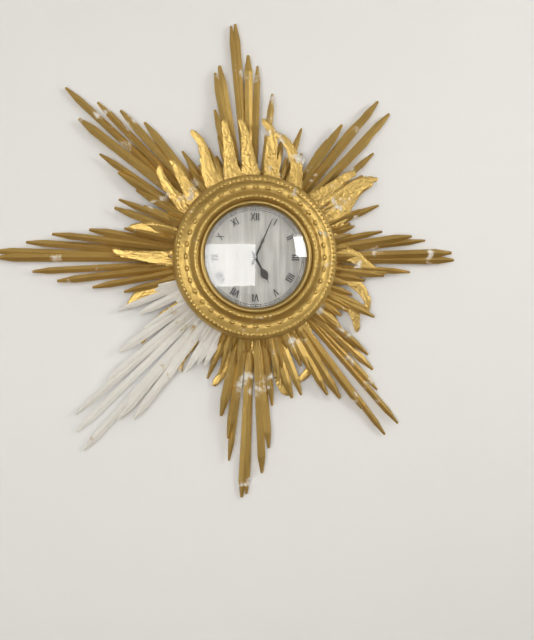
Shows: 5:04
